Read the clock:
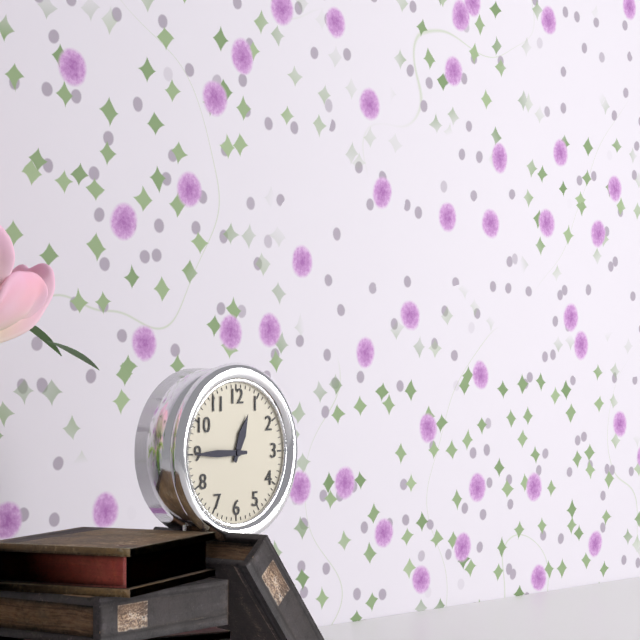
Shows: 12:45
